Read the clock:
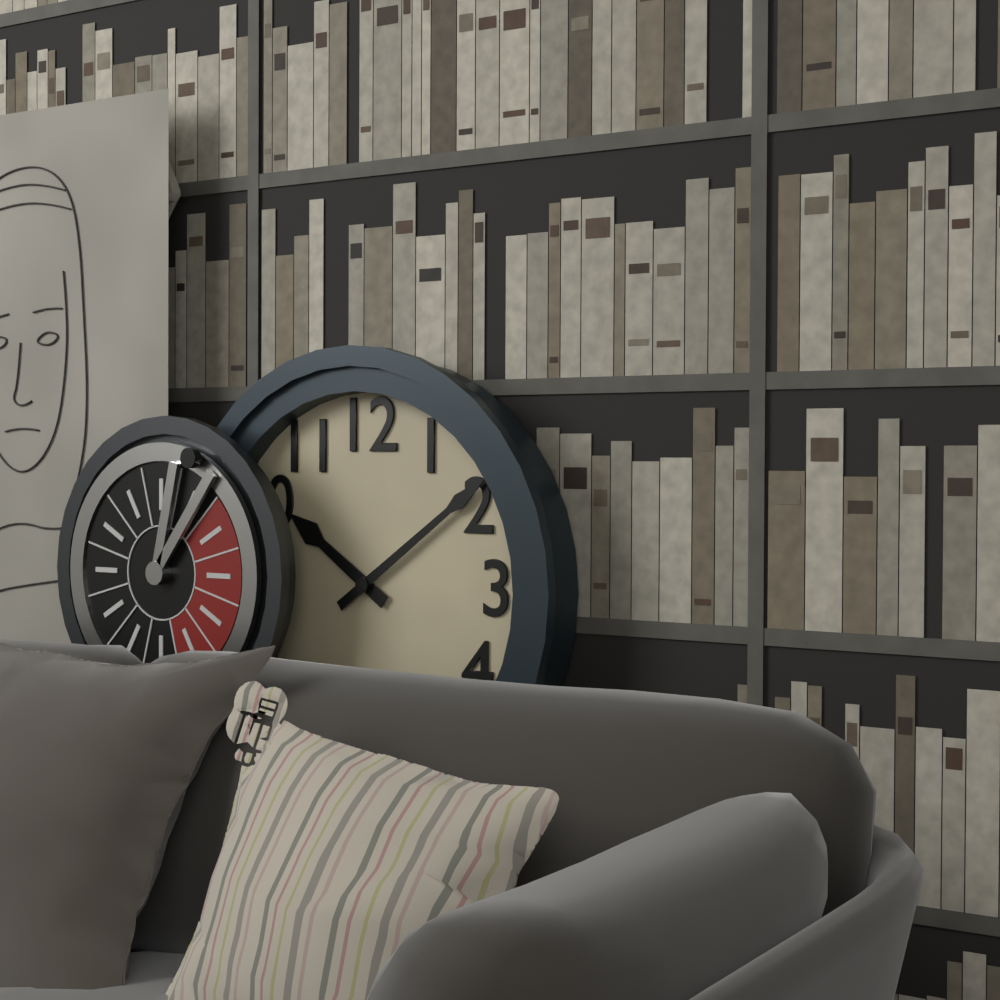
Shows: 10:09
